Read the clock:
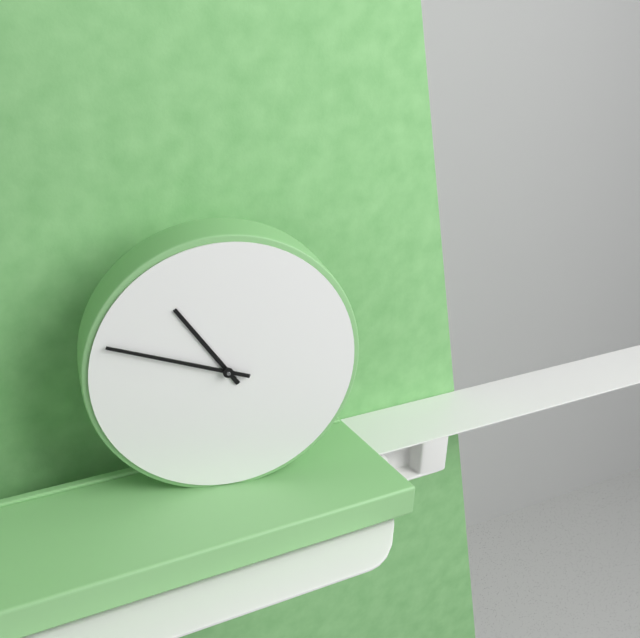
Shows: 10:48
